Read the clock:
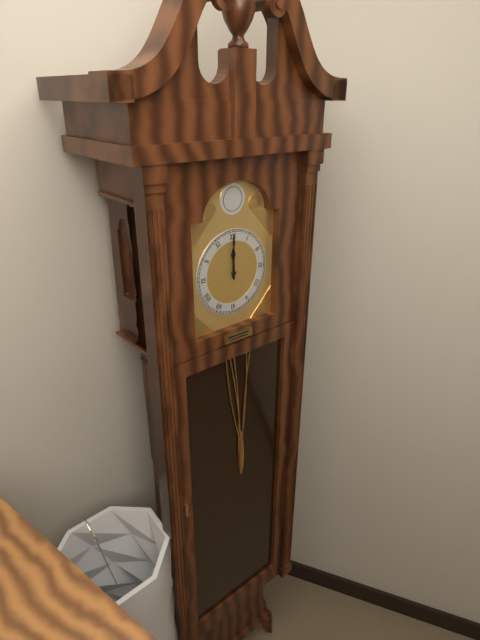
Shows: 12:00
